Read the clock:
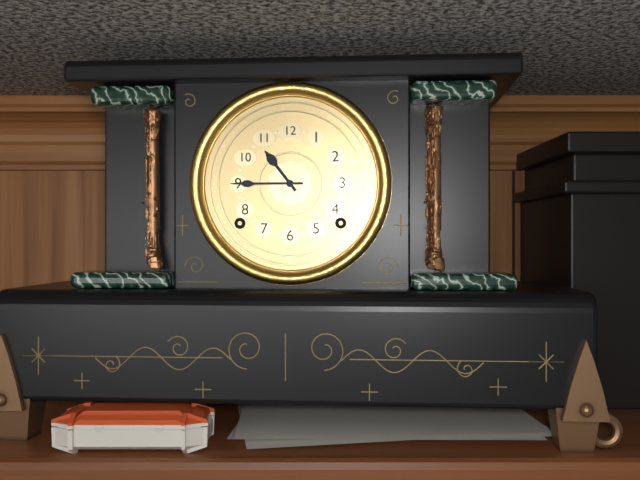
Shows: 10:45
